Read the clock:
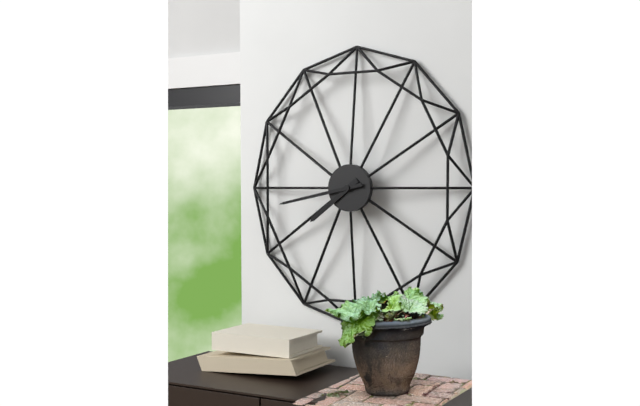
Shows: 7:43
